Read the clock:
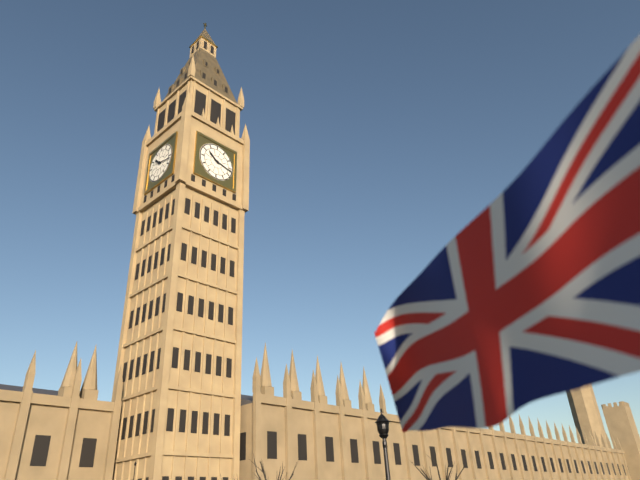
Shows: 10:17
